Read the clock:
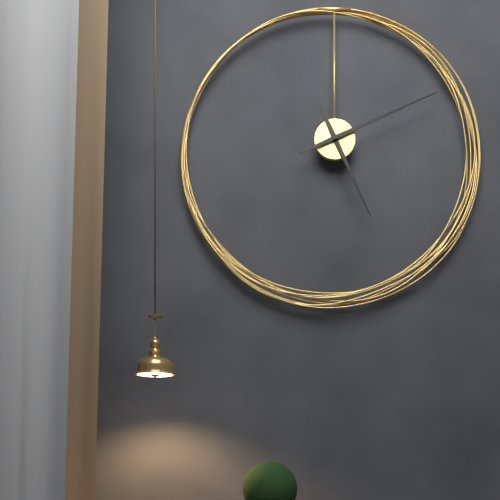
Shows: 5:11
